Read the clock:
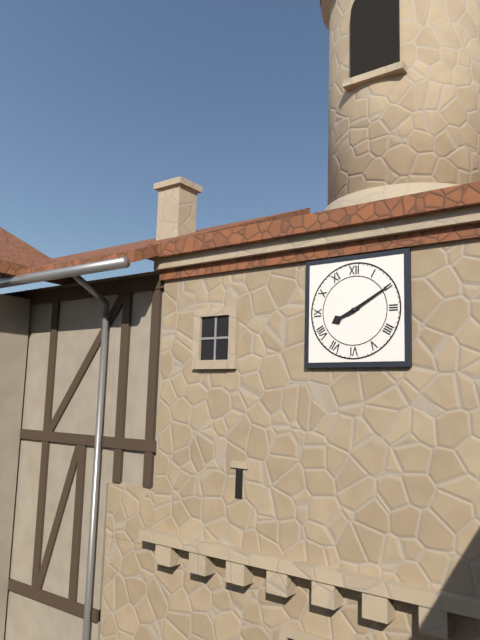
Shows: 8:10
